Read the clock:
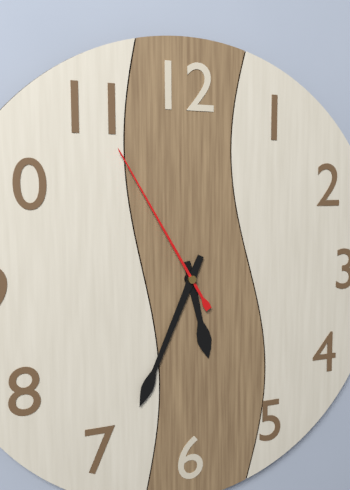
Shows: 5:34:55
